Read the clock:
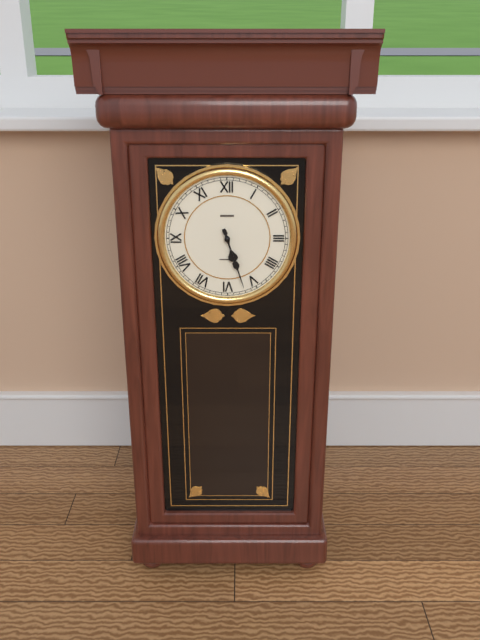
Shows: 5:27
